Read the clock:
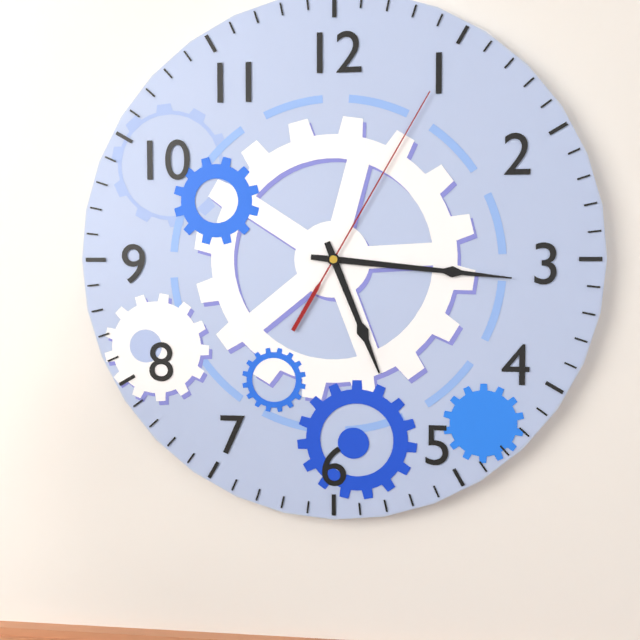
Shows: 5:16:05
